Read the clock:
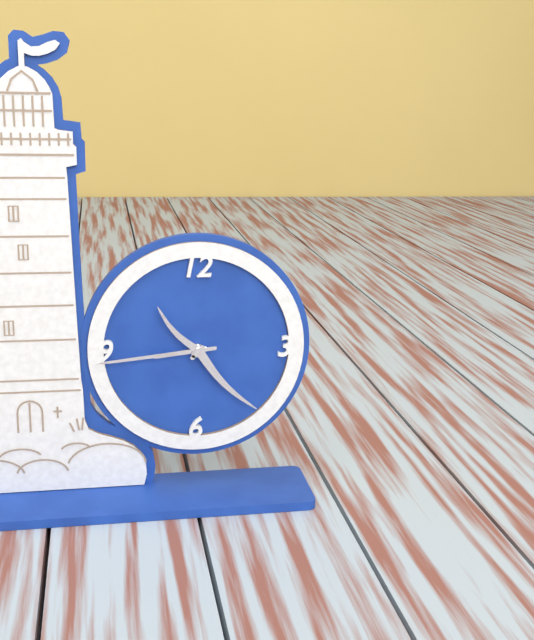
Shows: 8:44:23
